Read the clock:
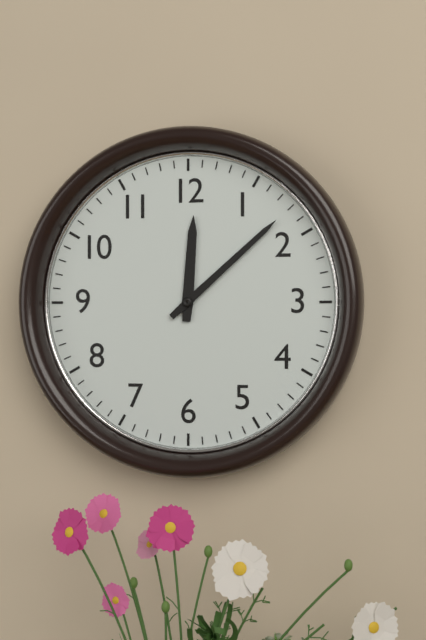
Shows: 12:08
